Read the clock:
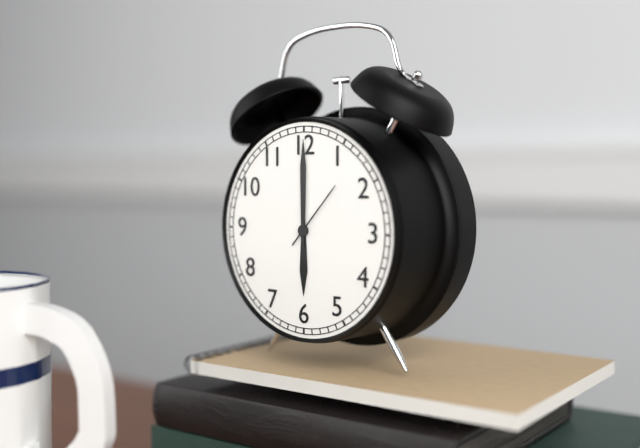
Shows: 6:00:07
